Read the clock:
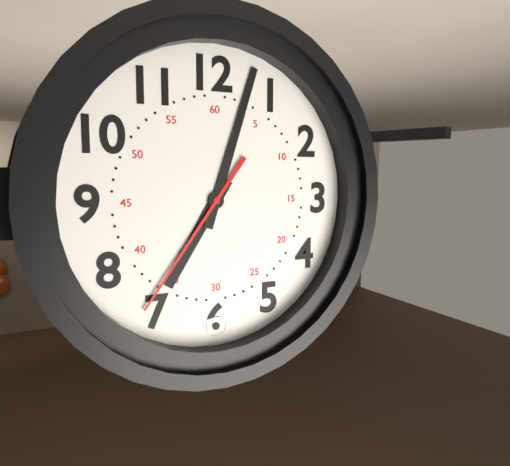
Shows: 7:03:36
